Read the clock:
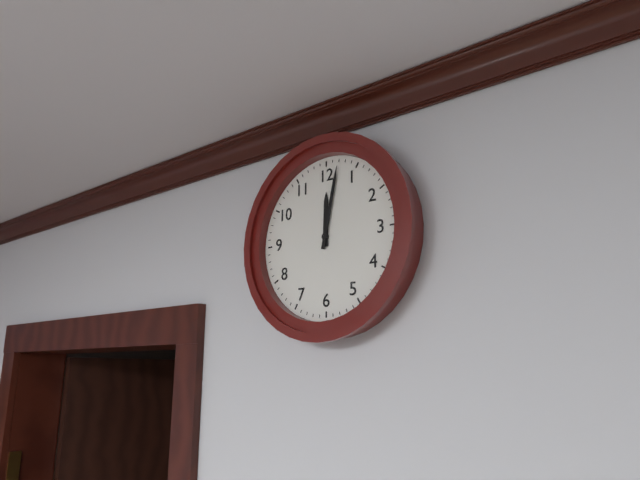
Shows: 12:02
